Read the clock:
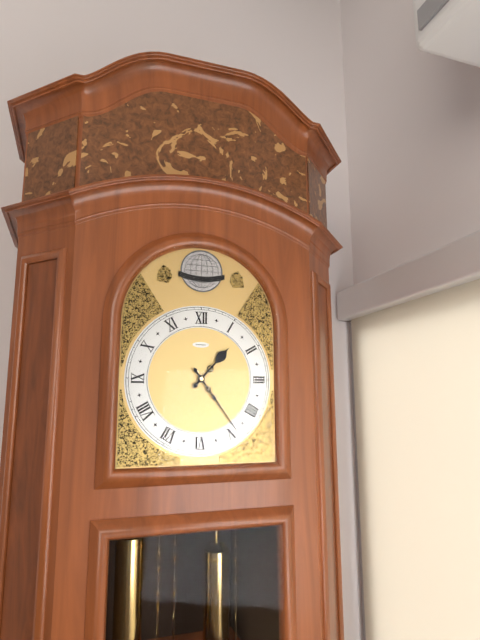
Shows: 1:24
